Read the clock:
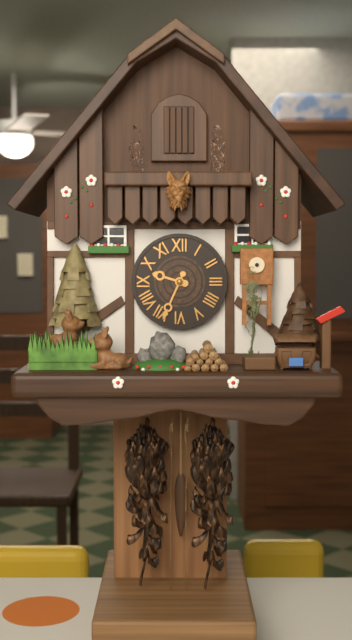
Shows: 9:34
